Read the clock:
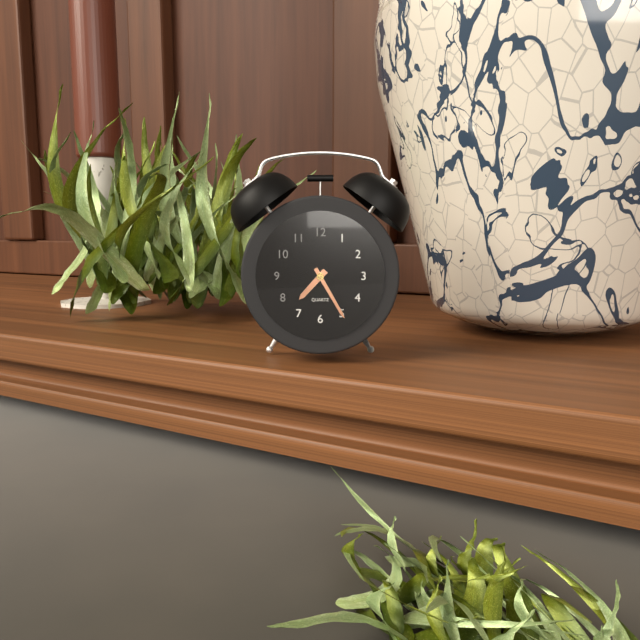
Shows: 7:25
